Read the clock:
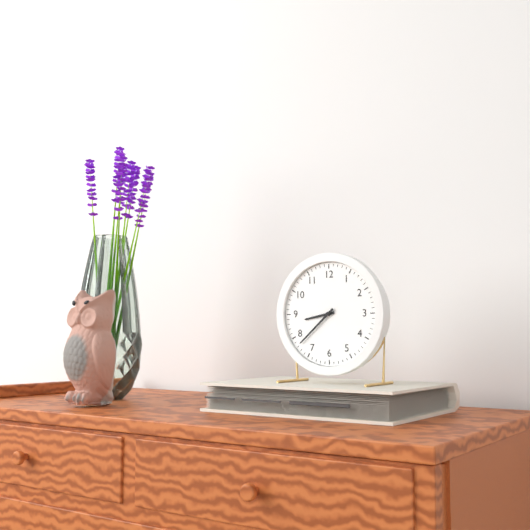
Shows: 8:38
